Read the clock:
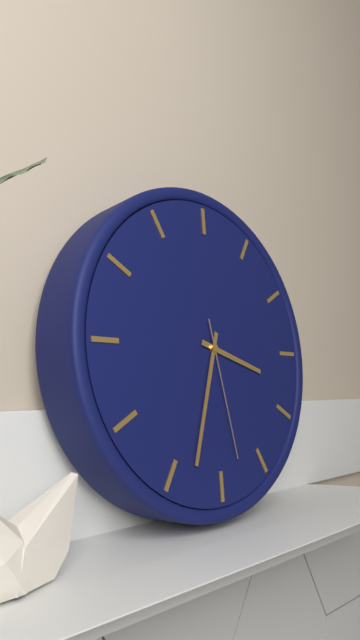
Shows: 3:33:28
